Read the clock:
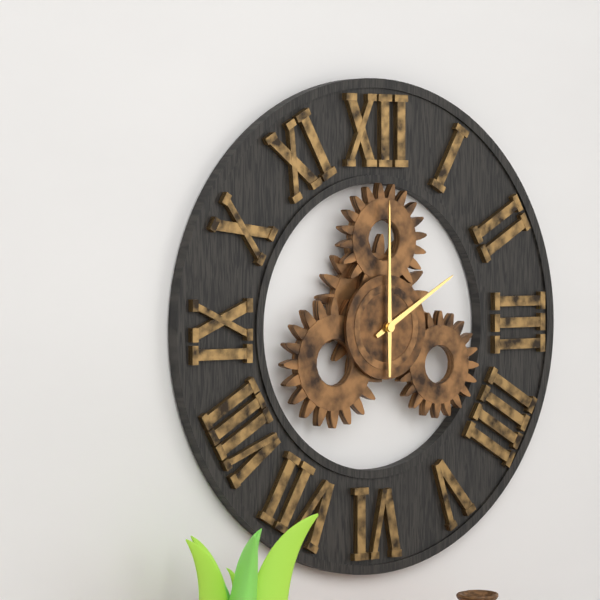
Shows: 2:00
